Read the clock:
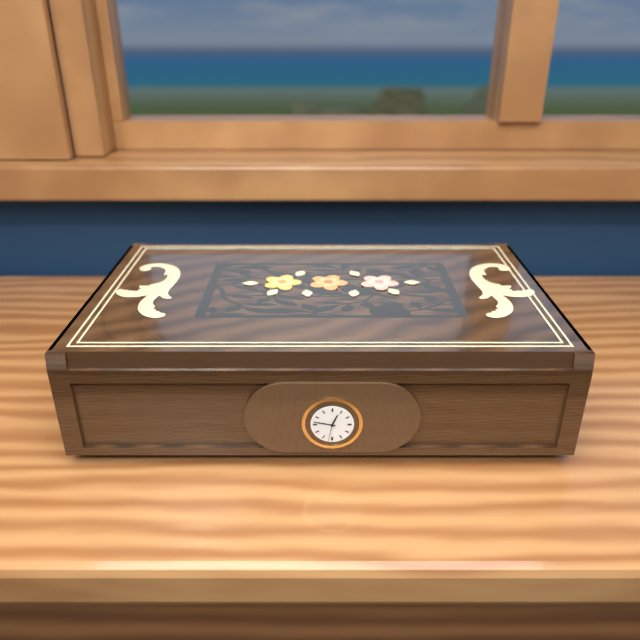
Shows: 12:47:32
